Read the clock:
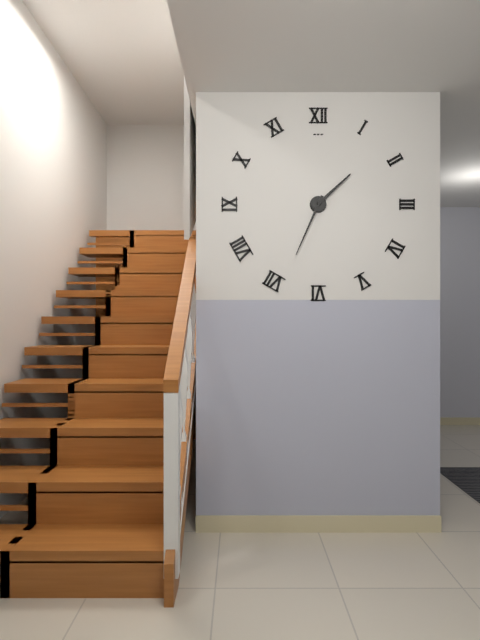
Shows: 1:34
